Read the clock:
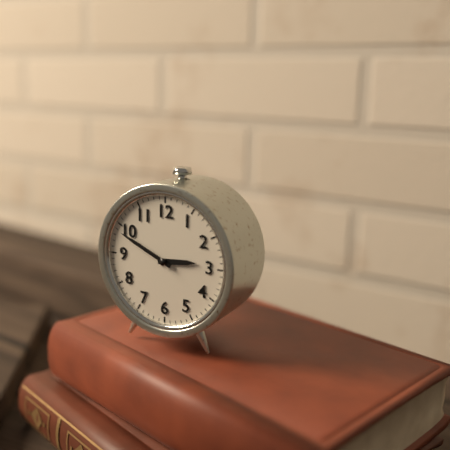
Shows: 2:49
